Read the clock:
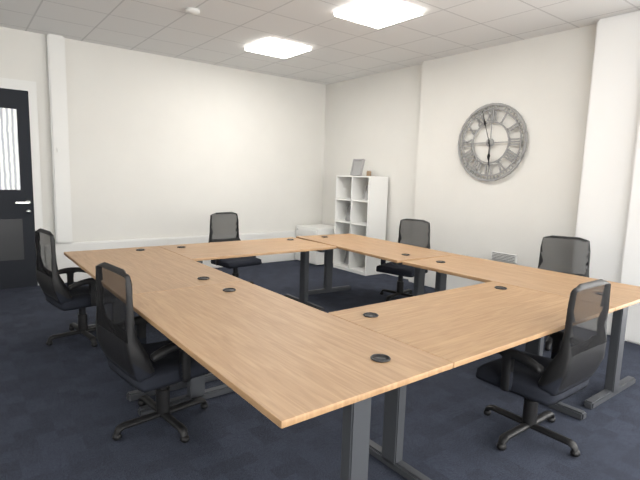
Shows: 5:57
